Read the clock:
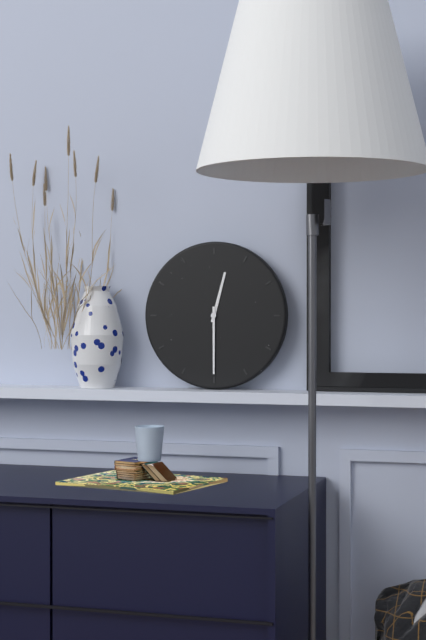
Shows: 12:30
